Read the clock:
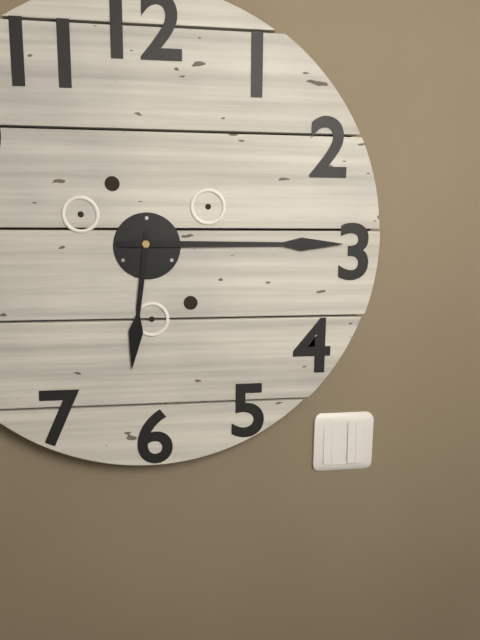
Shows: 6:15
